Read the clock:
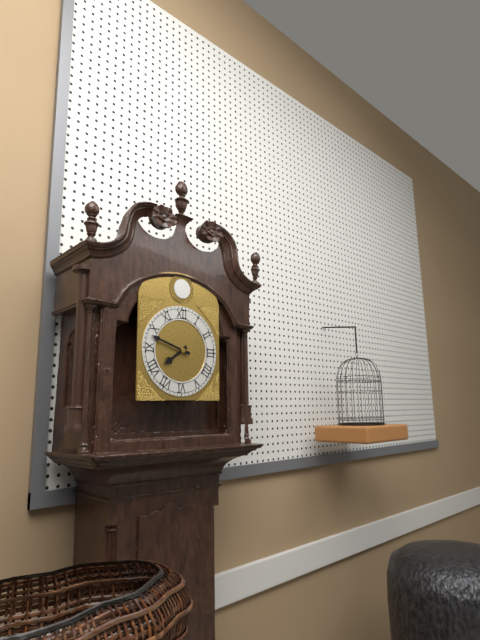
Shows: 7:48
